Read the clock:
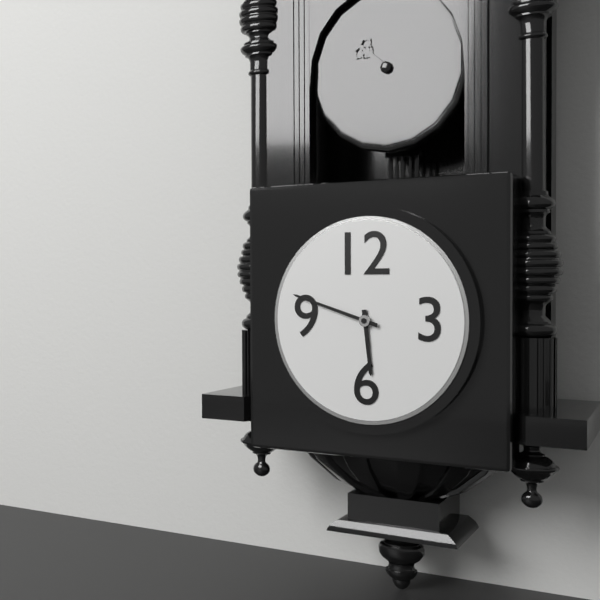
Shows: 5:48
